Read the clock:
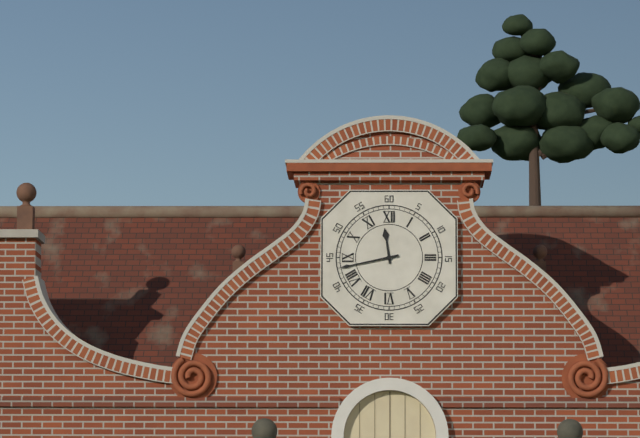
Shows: 11:43
